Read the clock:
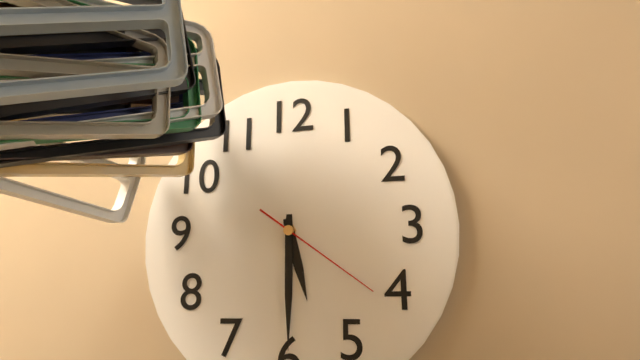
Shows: 5:30:21
